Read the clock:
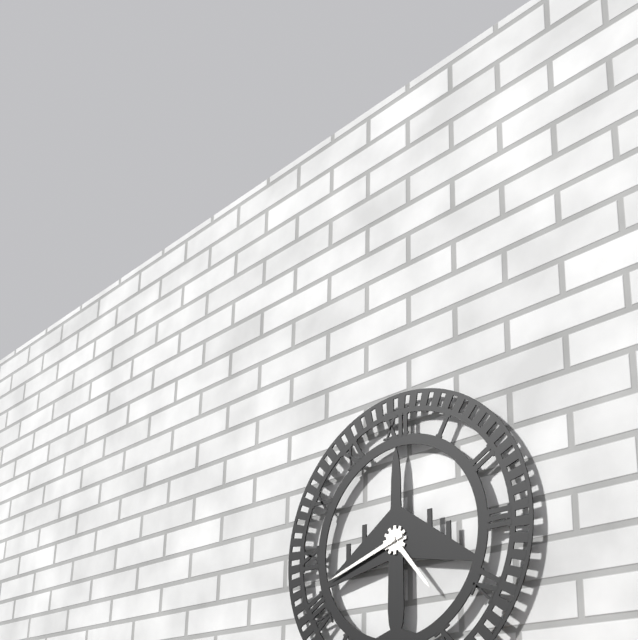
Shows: 4:42
